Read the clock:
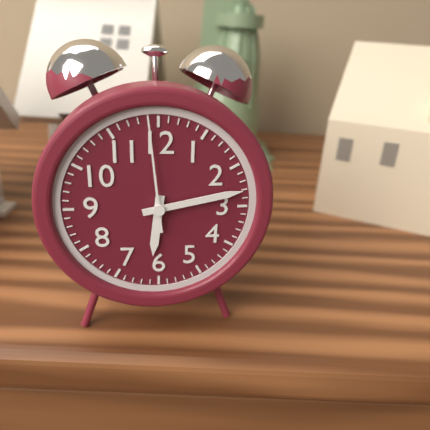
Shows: 6:13:59
